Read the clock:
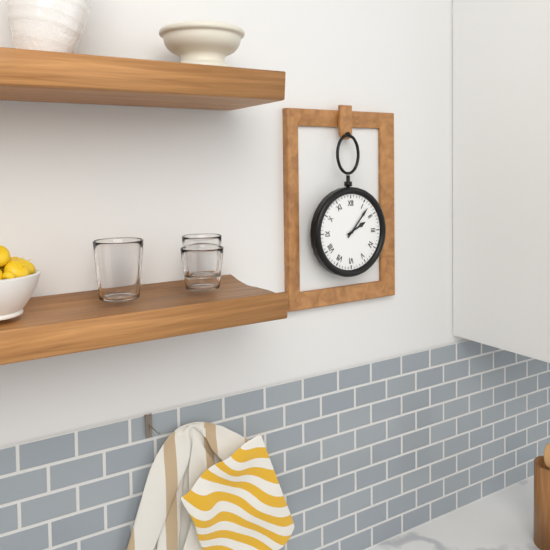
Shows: 2:07
